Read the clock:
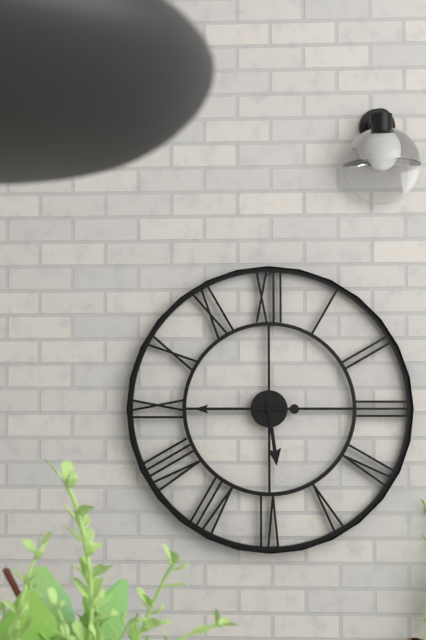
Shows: 5:45
